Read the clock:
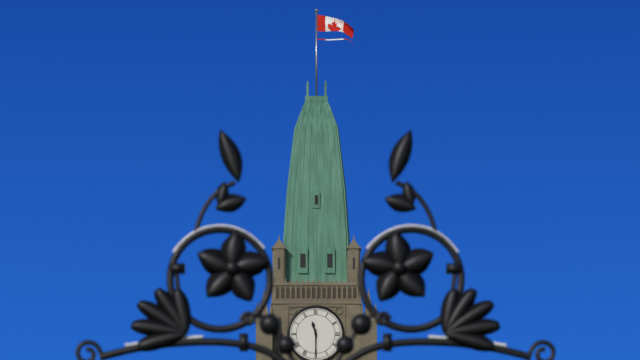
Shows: 11:30
